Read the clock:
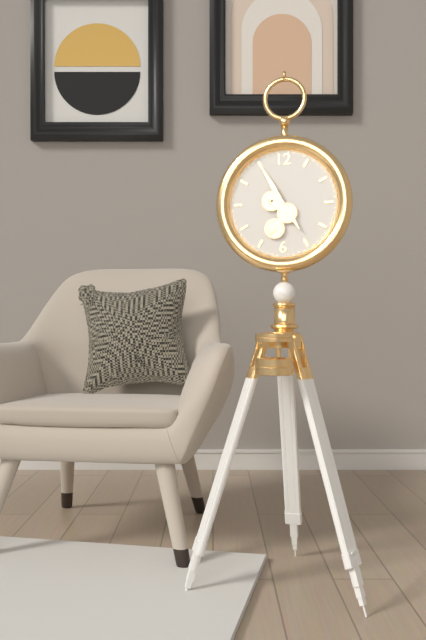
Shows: 4:55
